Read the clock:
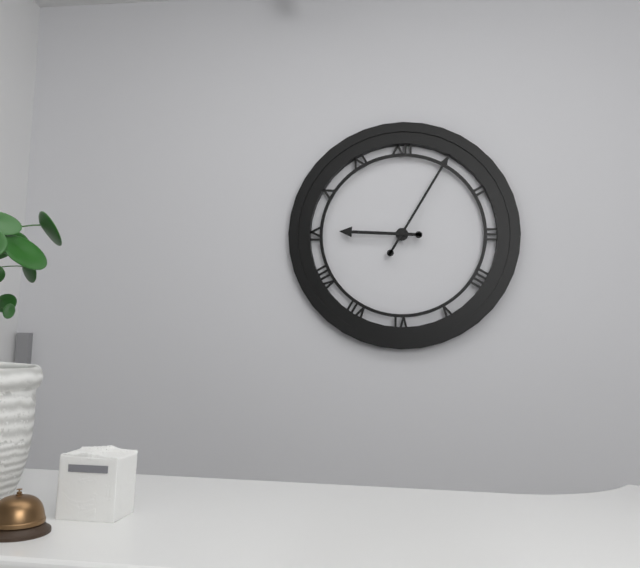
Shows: 9:05
